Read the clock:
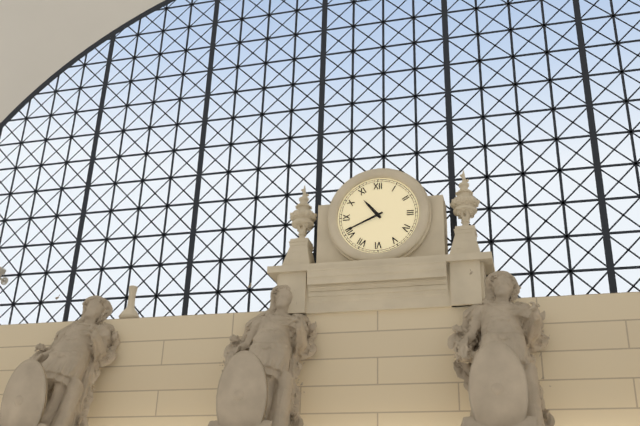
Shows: 10:41
